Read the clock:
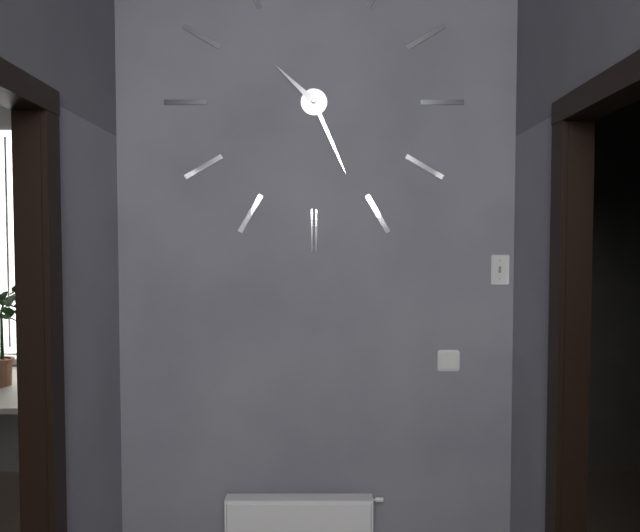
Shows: 10:26
